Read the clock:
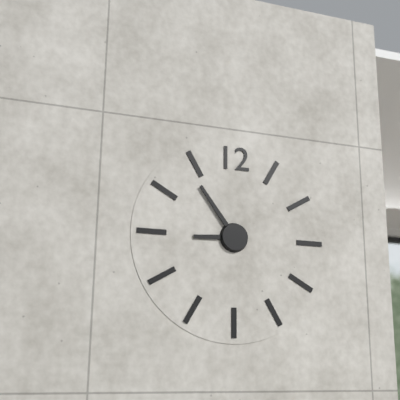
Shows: 8:54
